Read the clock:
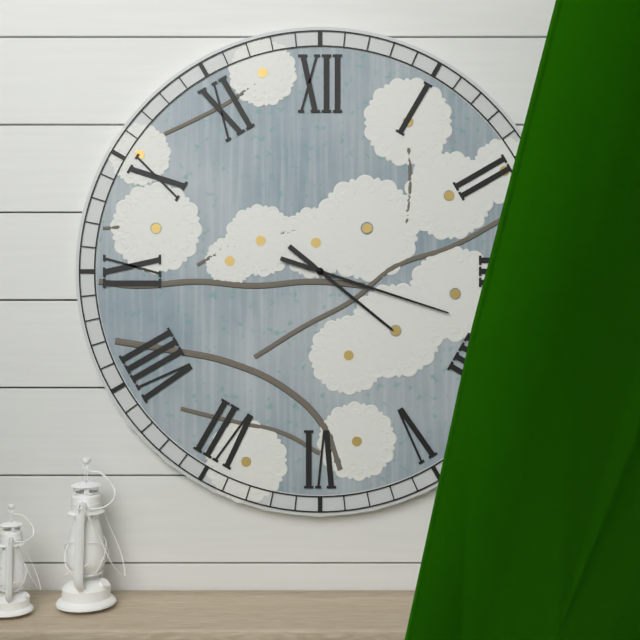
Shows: 4:18
